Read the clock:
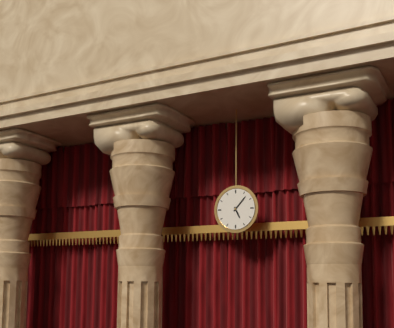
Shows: 5:07
